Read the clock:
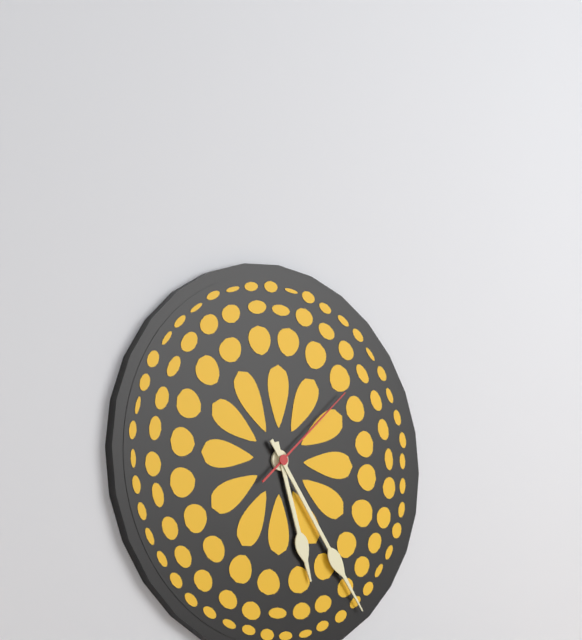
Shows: 5:24:08
